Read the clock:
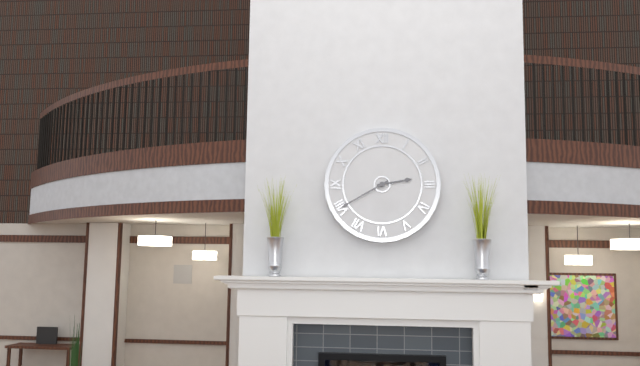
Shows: 2:40
